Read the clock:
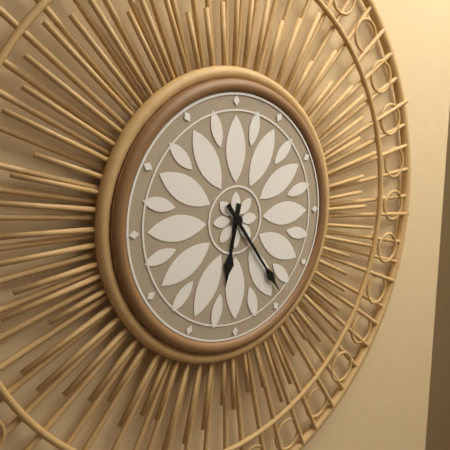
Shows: 6:24
